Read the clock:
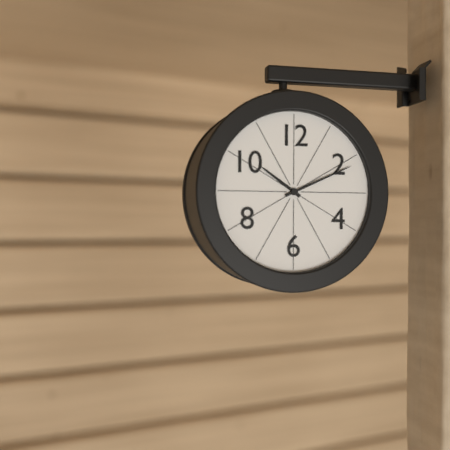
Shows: 10:11
